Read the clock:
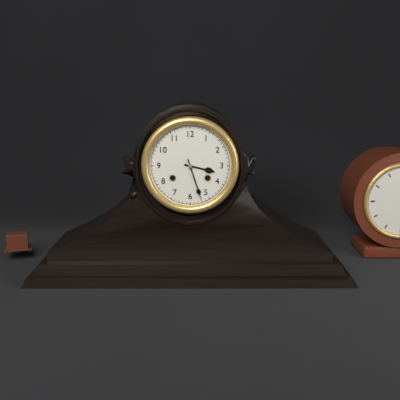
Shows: 3:27
